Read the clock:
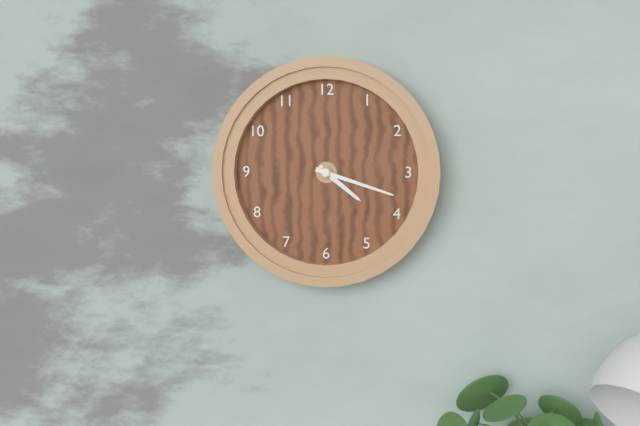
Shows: 4:18
